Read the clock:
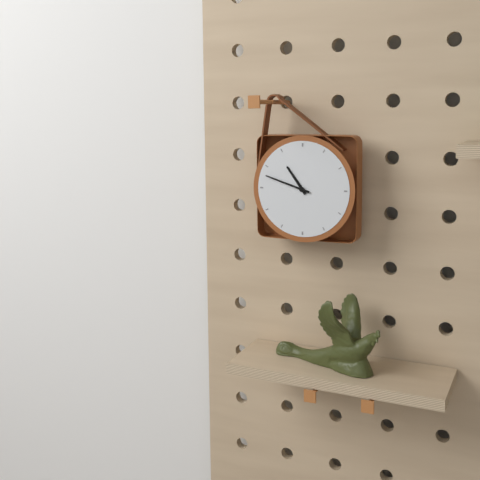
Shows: 10:48
